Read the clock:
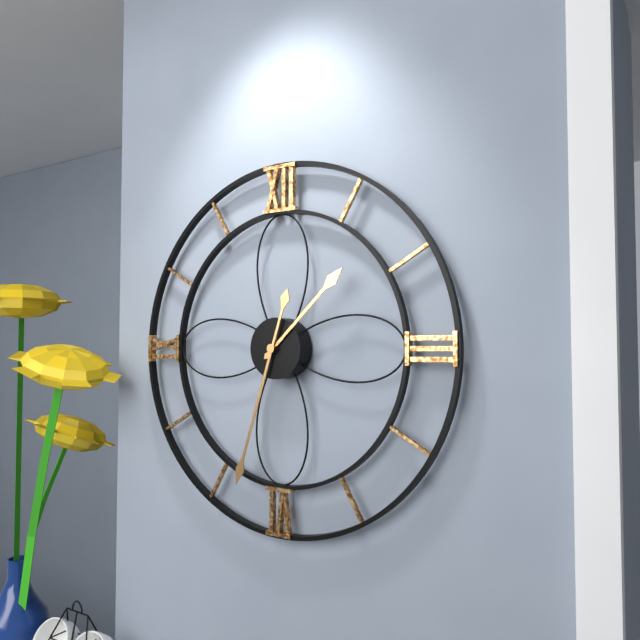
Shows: 1:33
